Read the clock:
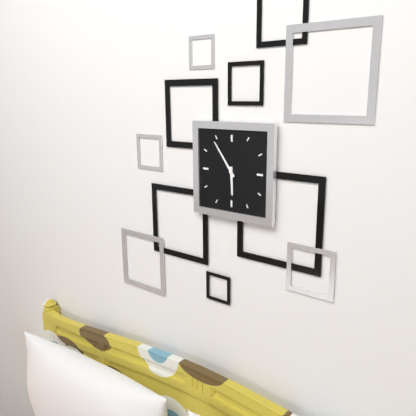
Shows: 5:54
